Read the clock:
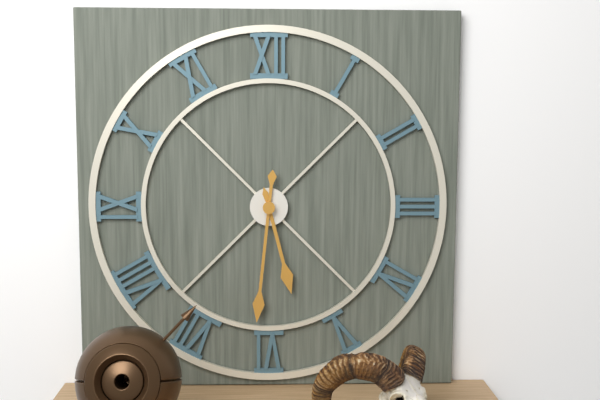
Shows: 5:31
